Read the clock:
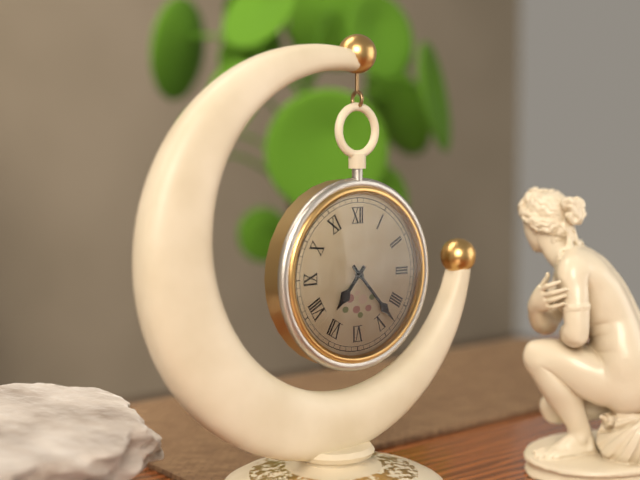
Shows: 7:23
